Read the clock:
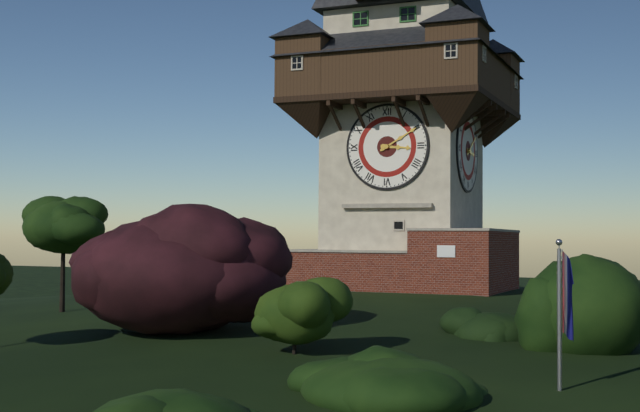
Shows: 3:10
